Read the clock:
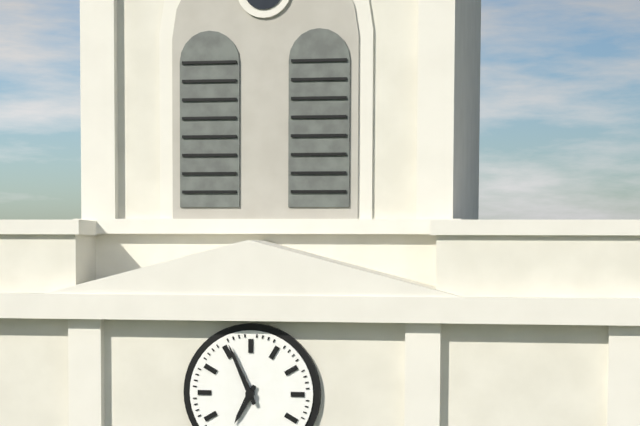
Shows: 6:56
